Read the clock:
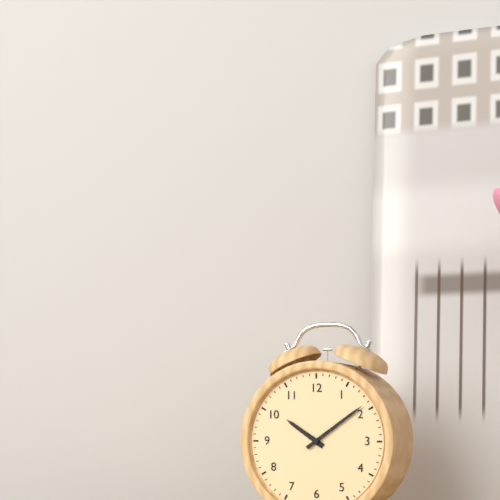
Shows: 10:09
